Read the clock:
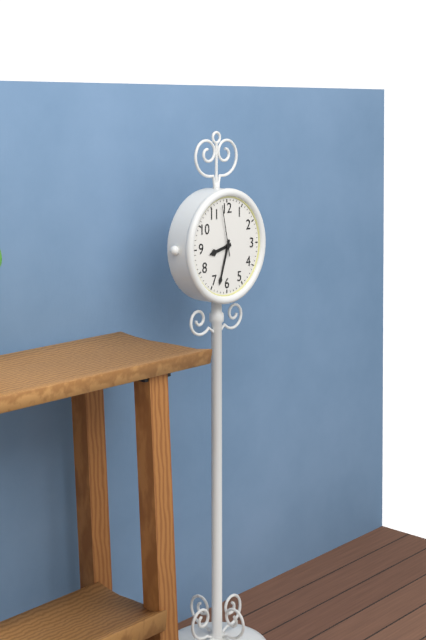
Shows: 8:33:58
